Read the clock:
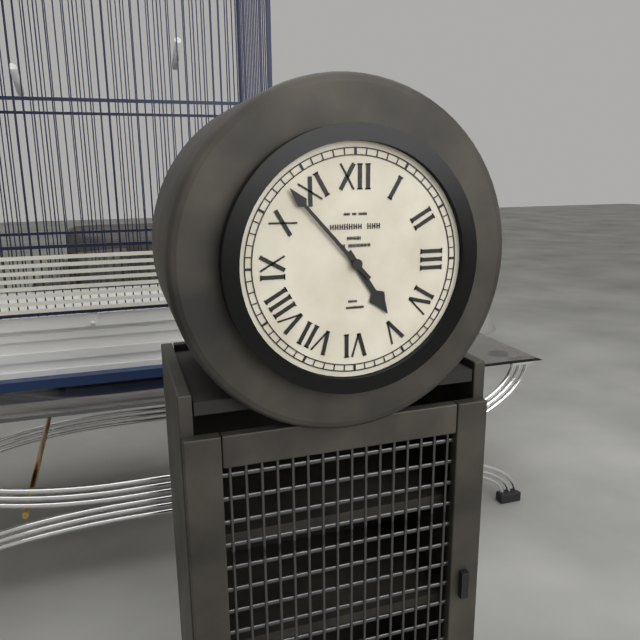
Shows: 4:53
